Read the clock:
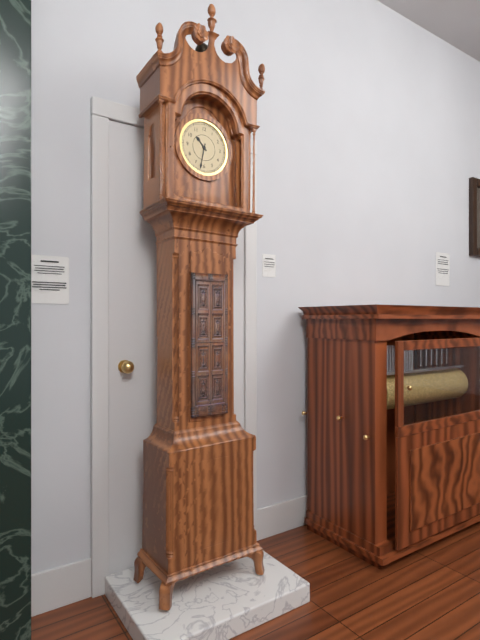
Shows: 10:32
